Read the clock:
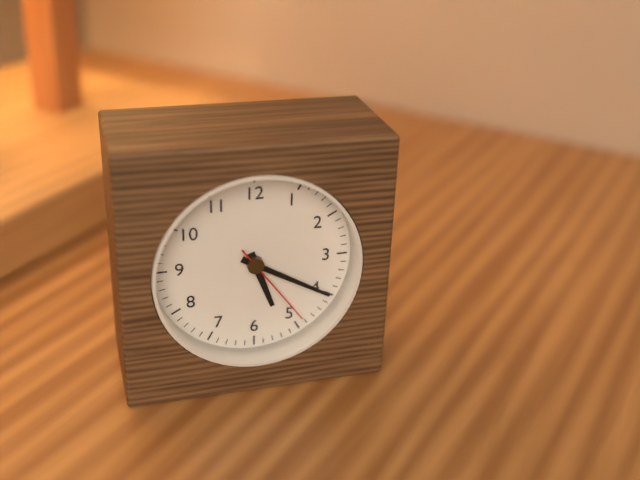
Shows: 5:20:24
